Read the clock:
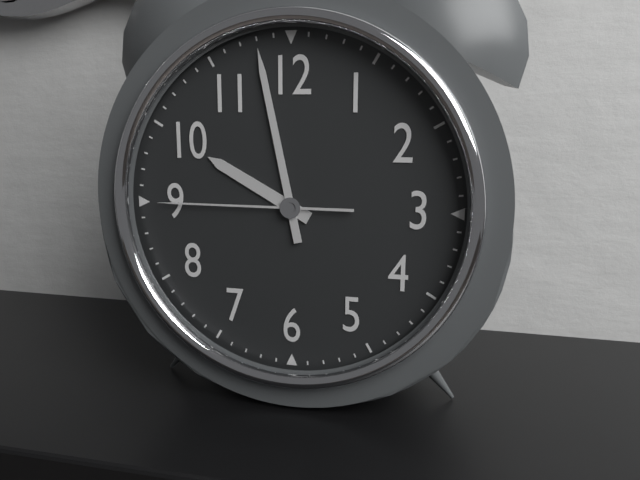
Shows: 9:58:45
